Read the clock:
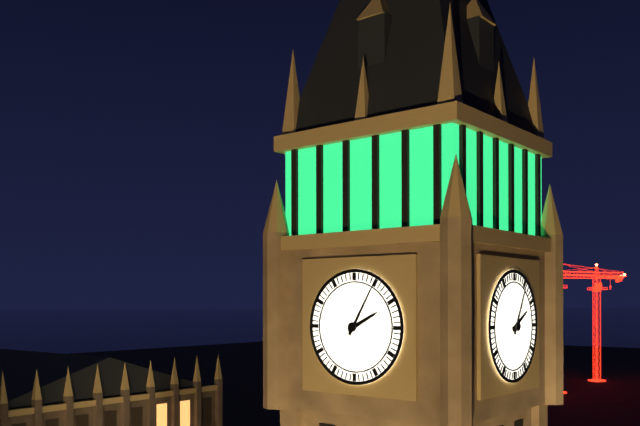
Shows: 2:05
